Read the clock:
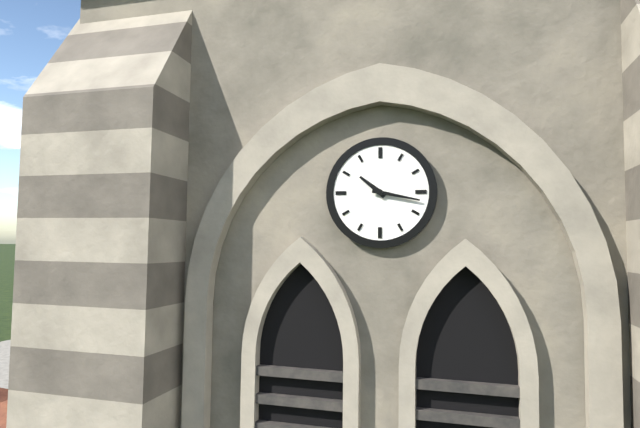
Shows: 10:17
